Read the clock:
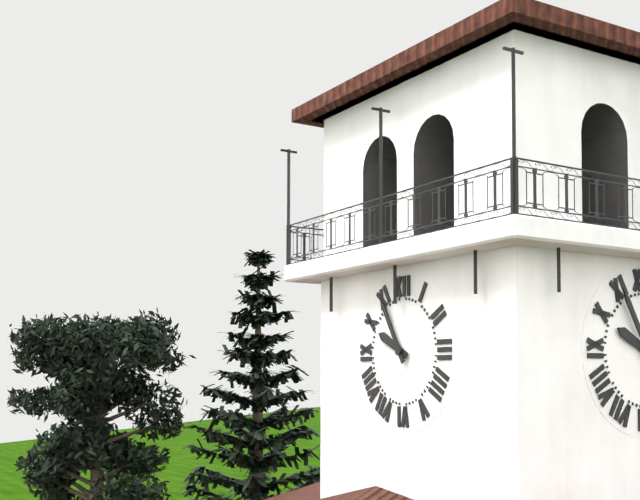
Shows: 9:55
